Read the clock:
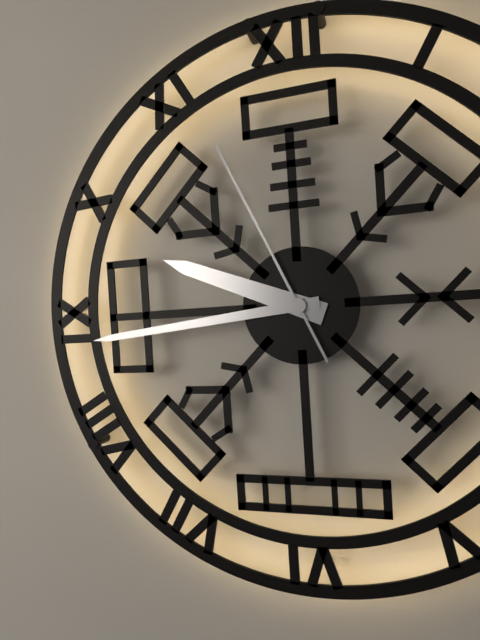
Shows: 9:44:56
